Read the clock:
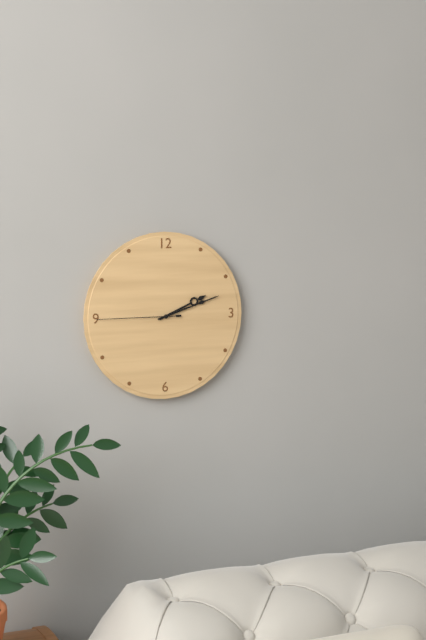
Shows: 2:12:45
